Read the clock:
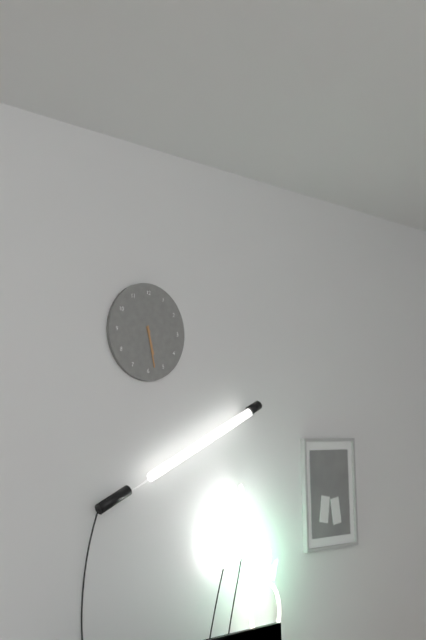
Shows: 5:28
